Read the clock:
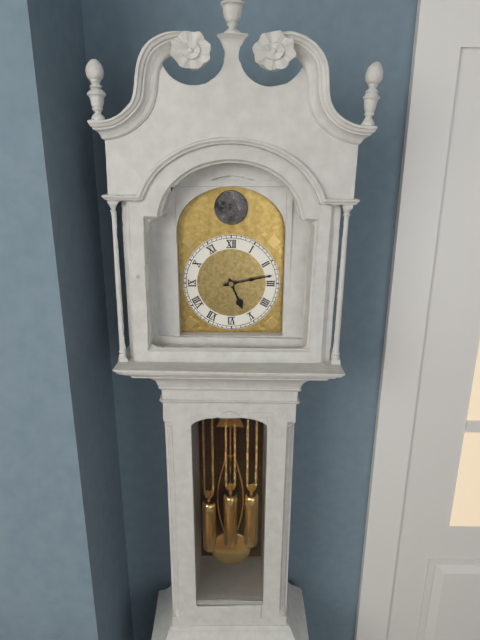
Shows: 5:13
